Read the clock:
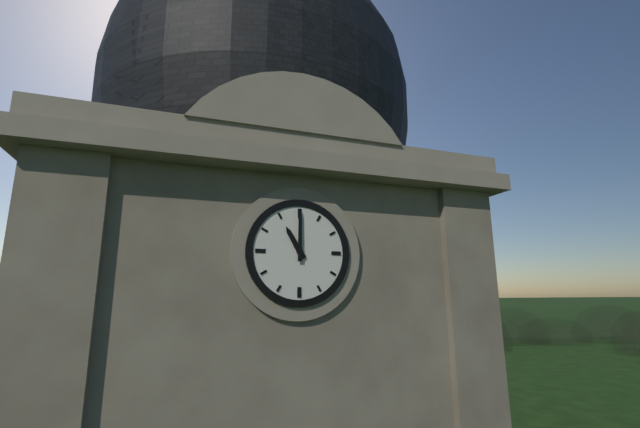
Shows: 11:00
